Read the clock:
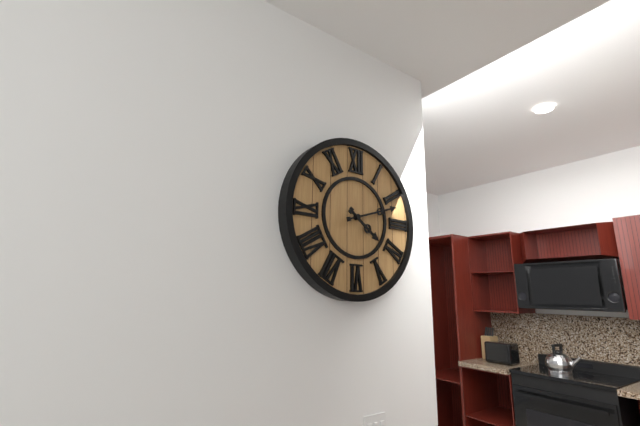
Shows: 4:12
